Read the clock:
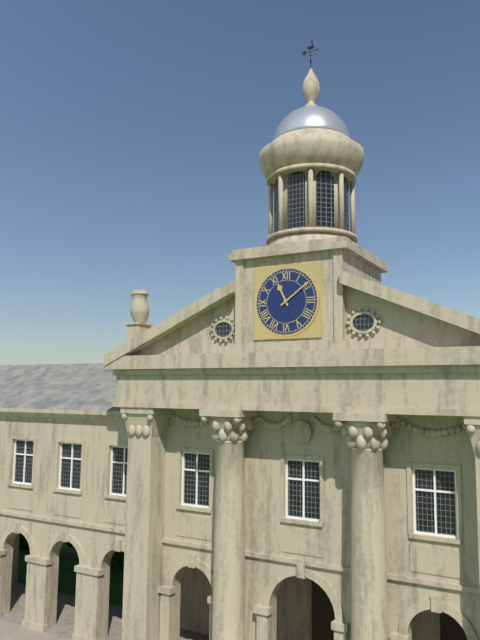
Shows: 11:09
